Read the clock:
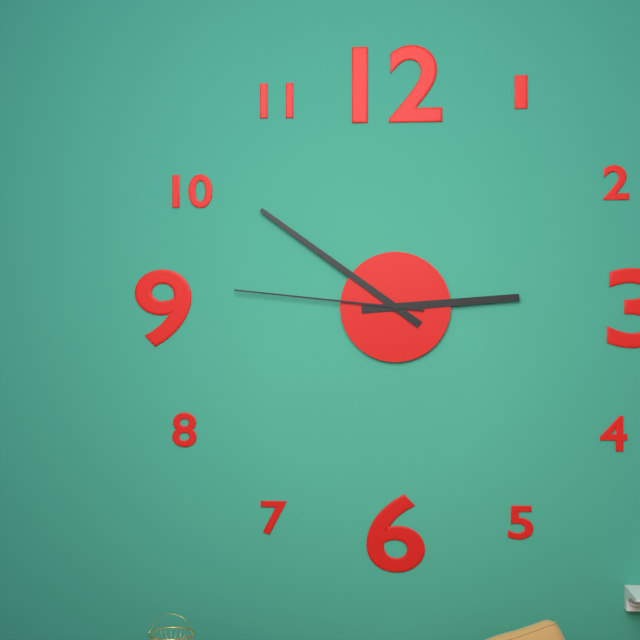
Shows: 2:51:46
